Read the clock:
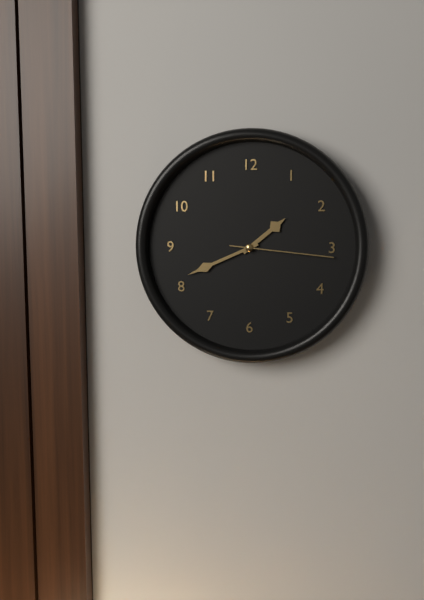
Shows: 1:41:16
